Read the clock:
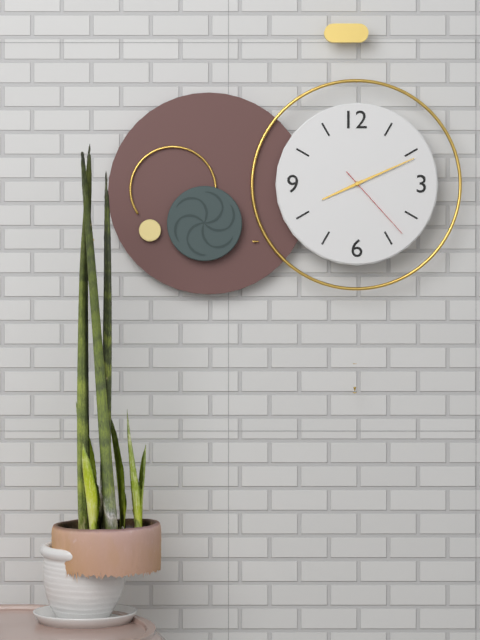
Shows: 8:11:23
